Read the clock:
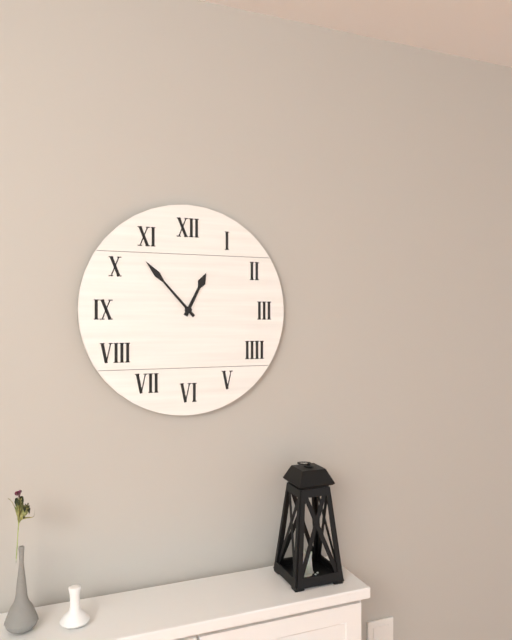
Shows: 12:53
